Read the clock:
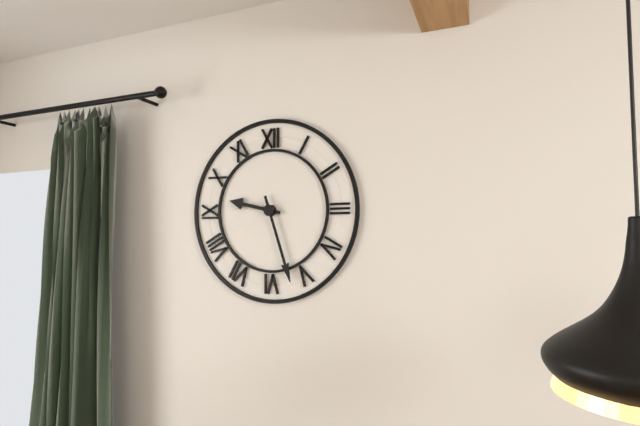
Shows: 9:27
